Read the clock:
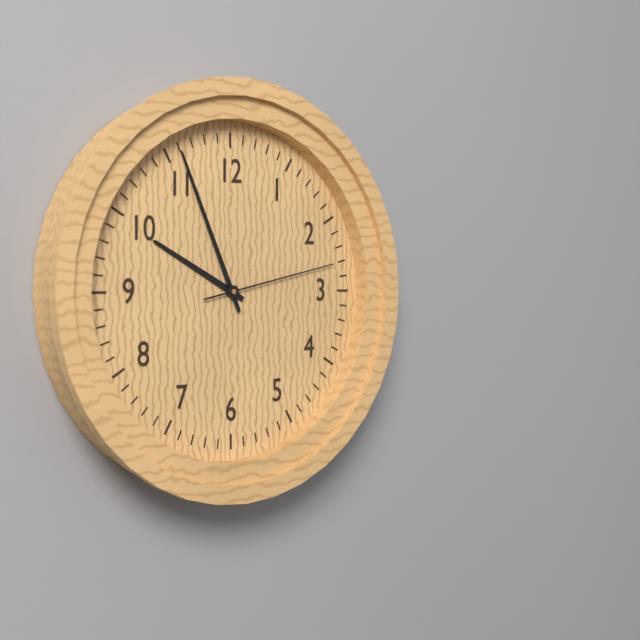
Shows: 9:56:13
